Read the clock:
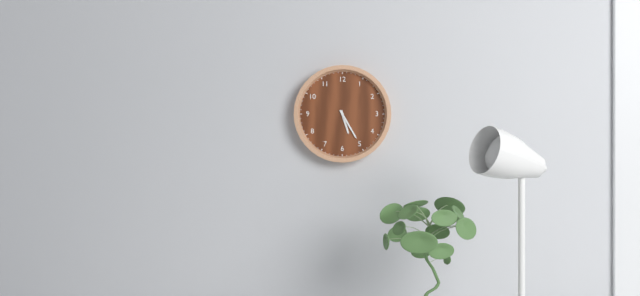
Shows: 5:25
